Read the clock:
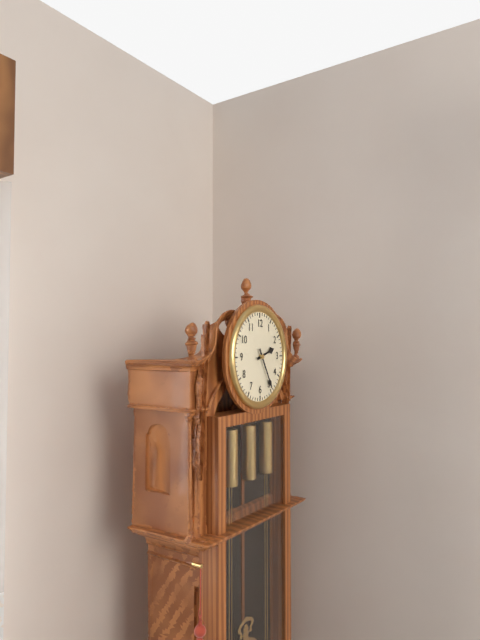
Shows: 2:25
